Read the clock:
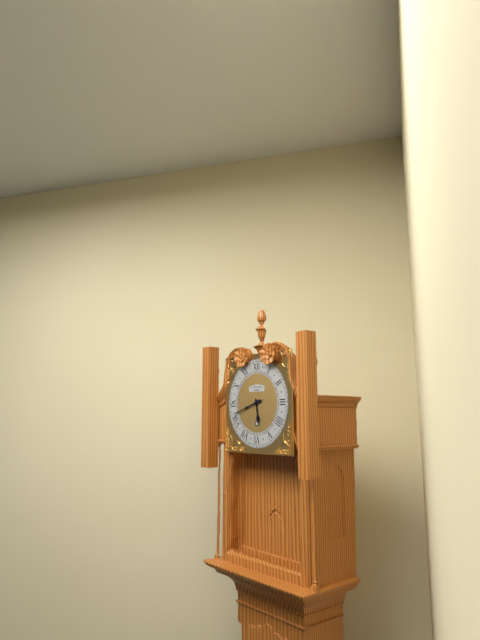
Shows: 5:42
